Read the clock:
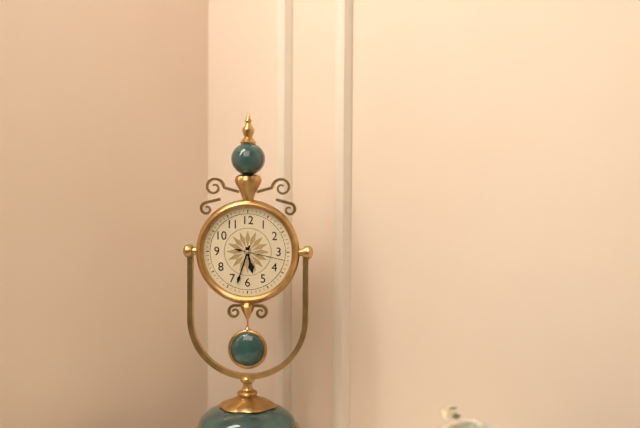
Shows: 5:33
